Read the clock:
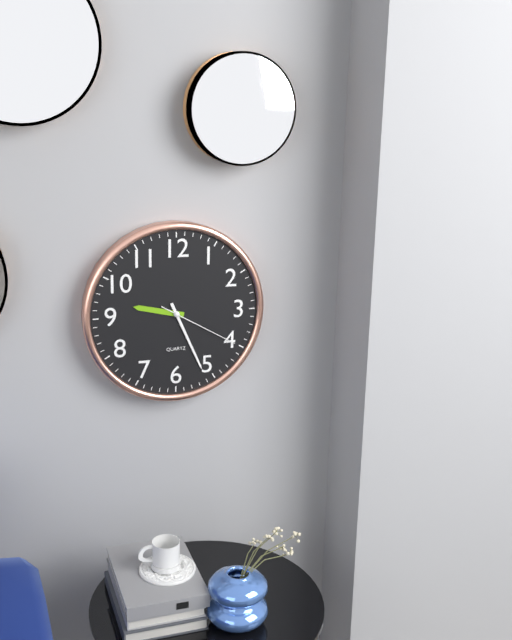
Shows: 9:26:20
